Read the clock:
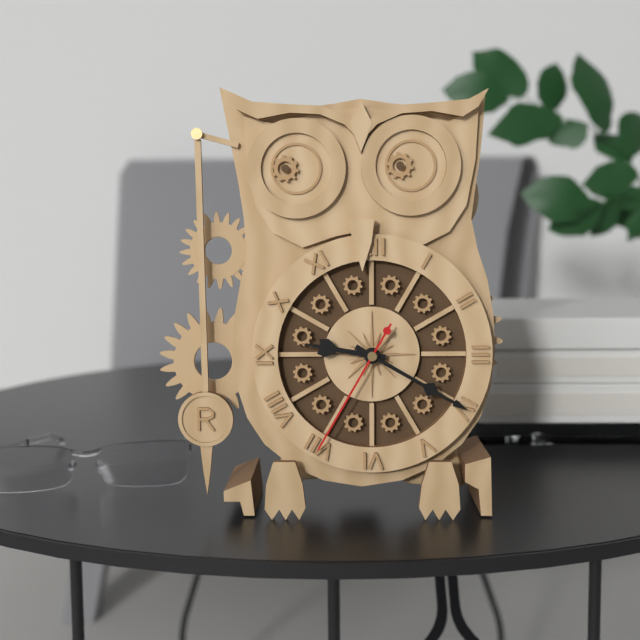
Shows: 9:20:35
